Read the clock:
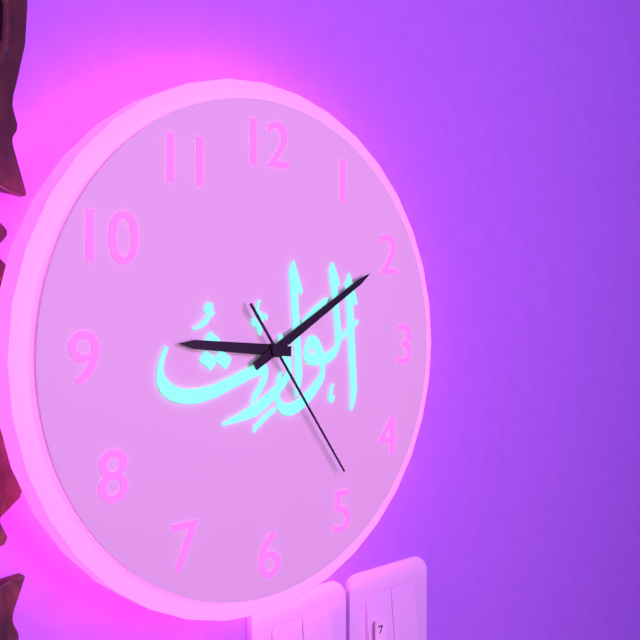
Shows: 9:10:24
